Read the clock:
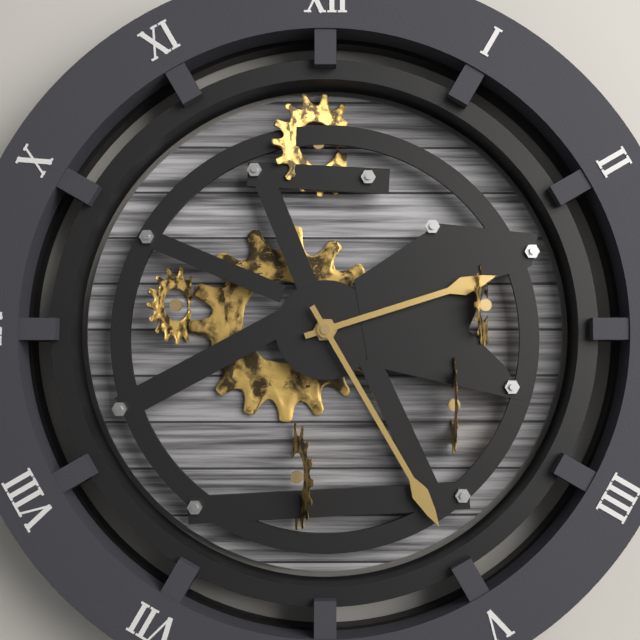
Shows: 2:25
